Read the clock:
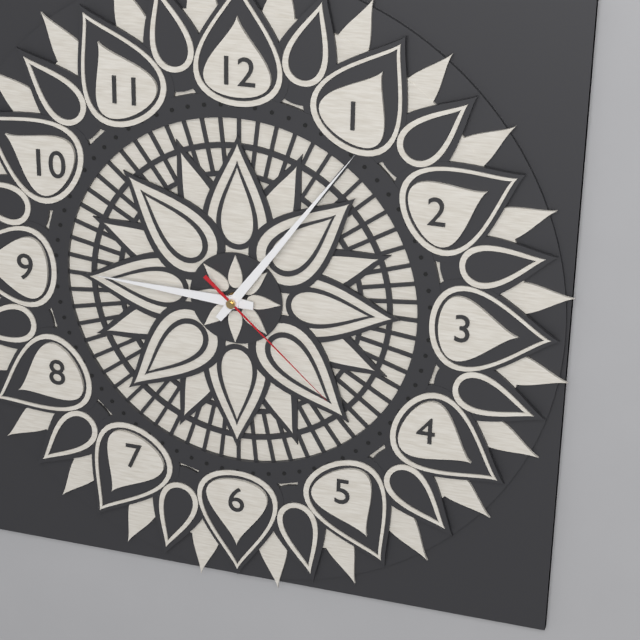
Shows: 9:06:22
